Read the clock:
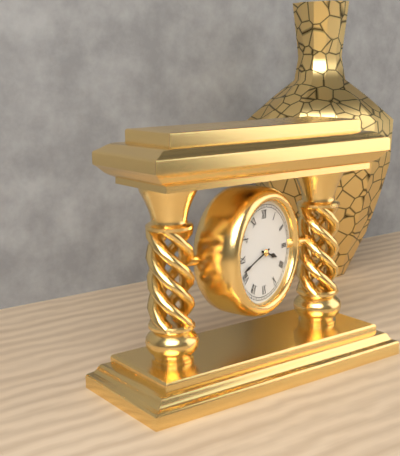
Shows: 3:42
